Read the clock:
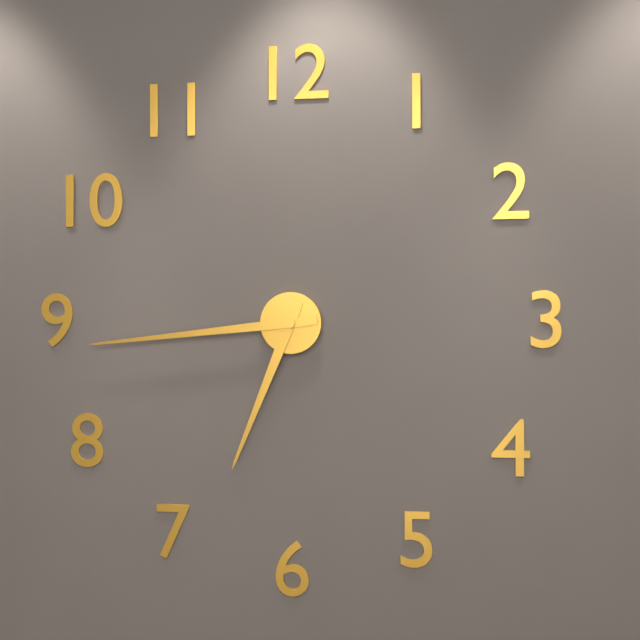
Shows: 6:44
